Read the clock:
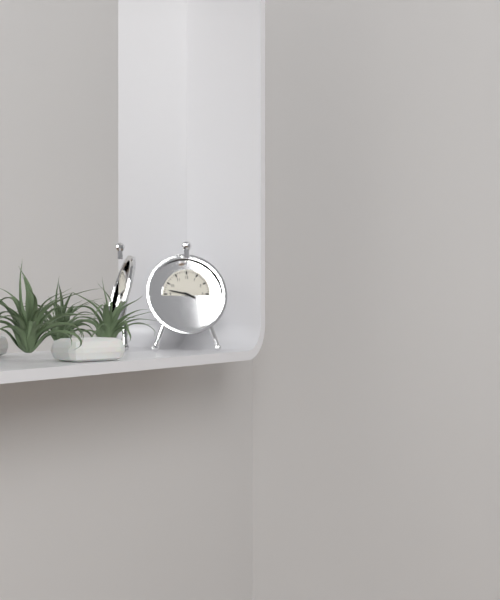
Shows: 3:47
